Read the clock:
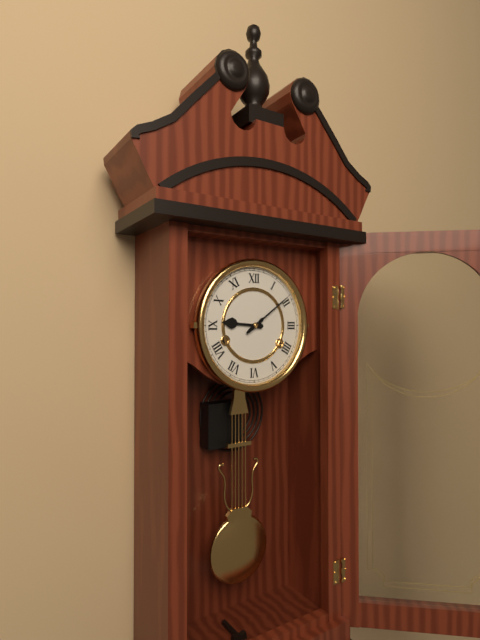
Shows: 9:09
